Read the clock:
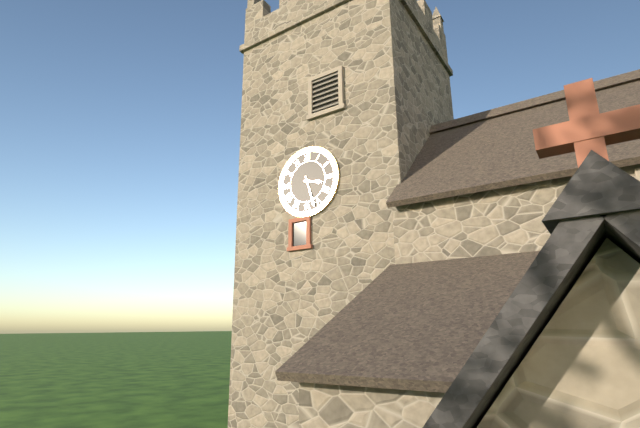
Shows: 3:27
